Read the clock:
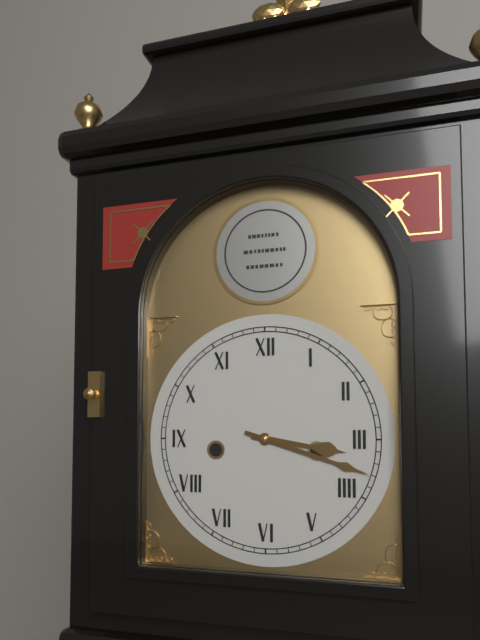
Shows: 3:18
